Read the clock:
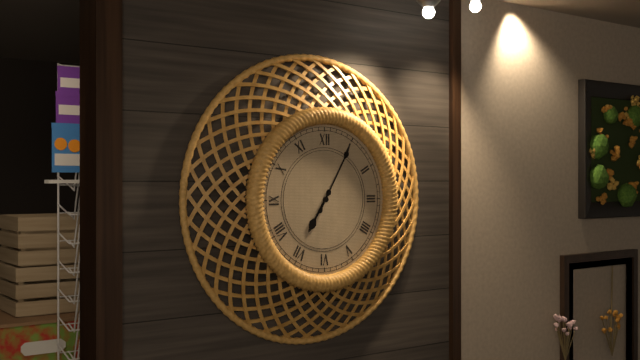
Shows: 7:05
